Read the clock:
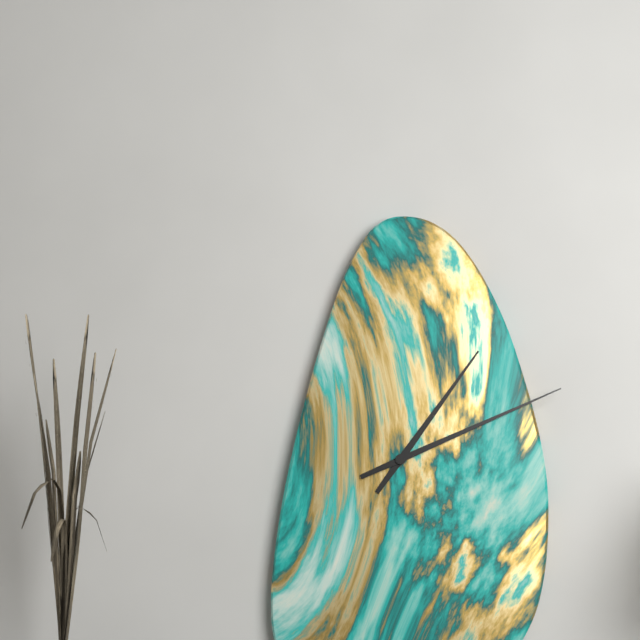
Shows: 1:11
